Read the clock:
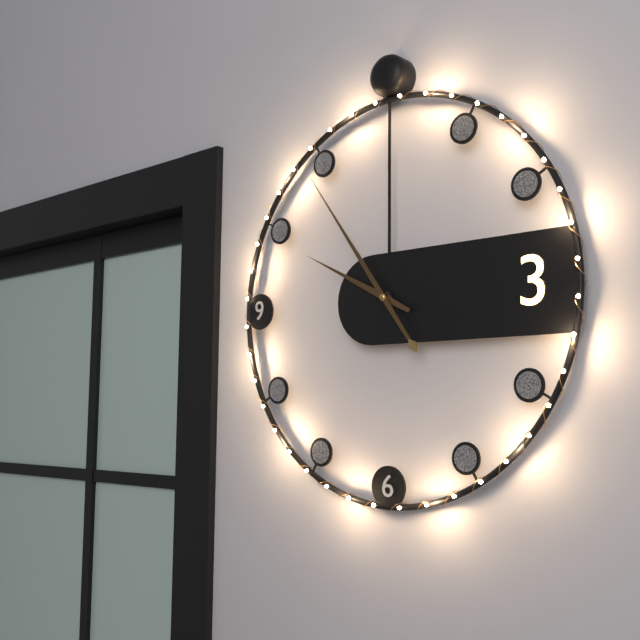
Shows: 9:54
